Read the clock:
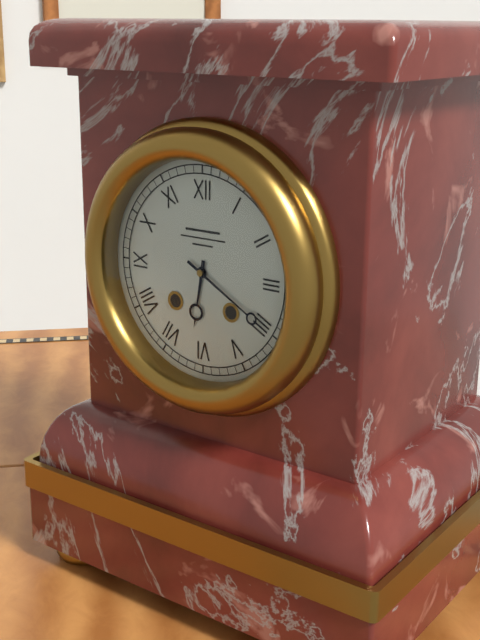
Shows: 6:20
